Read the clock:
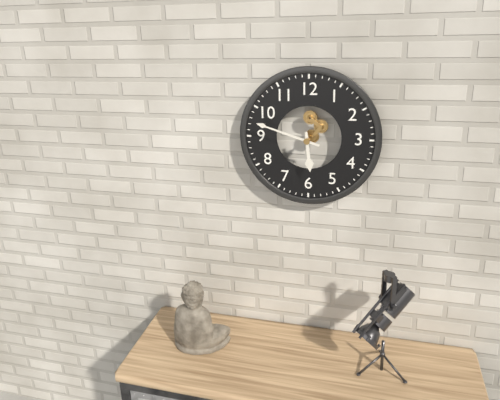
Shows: 5:48
